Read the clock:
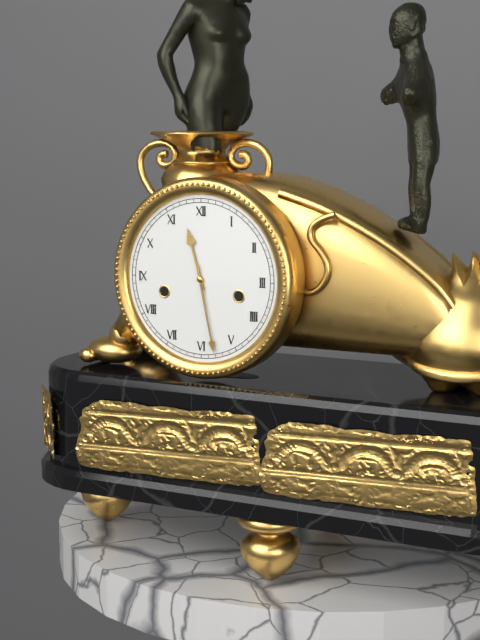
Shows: 11:28
